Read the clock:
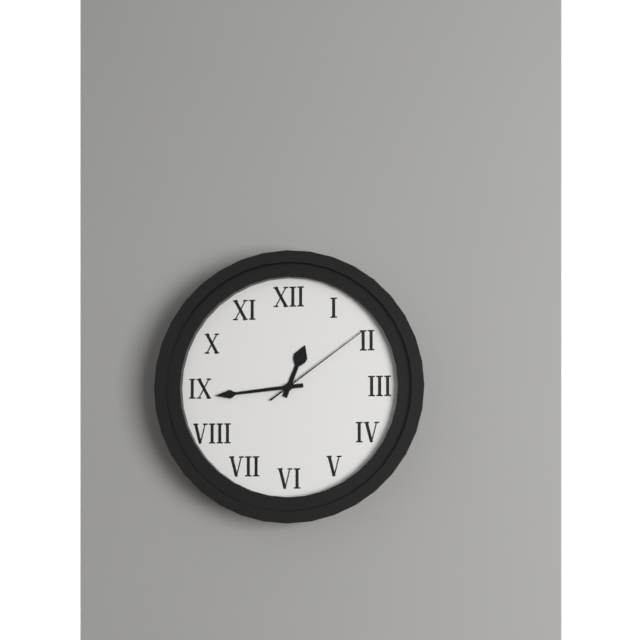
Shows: 12:44:09
